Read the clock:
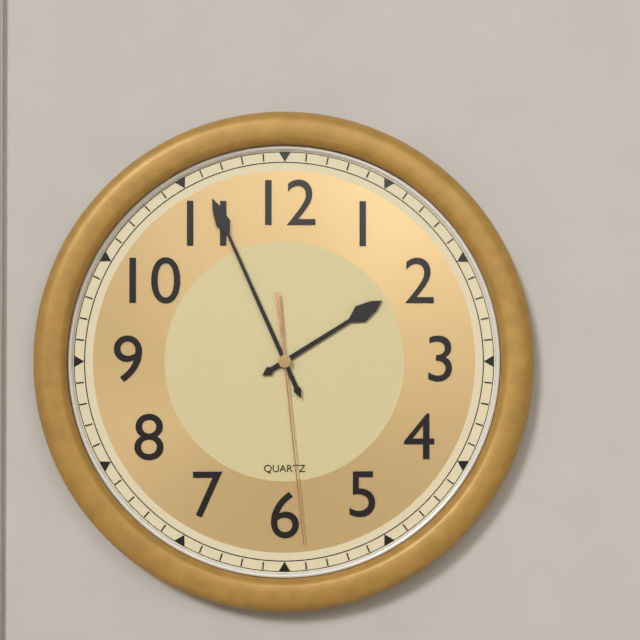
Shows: 1:56:29
